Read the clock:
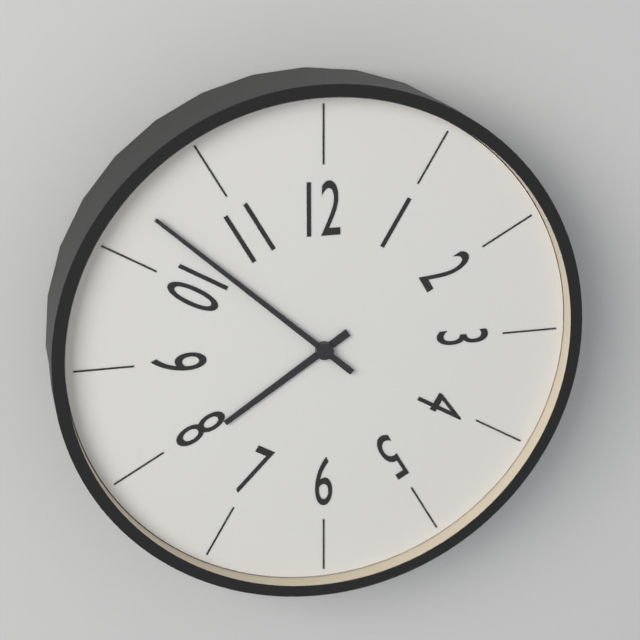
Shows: 7:52
